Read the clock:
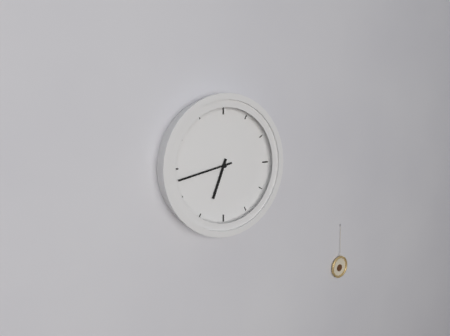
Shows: 6:43
